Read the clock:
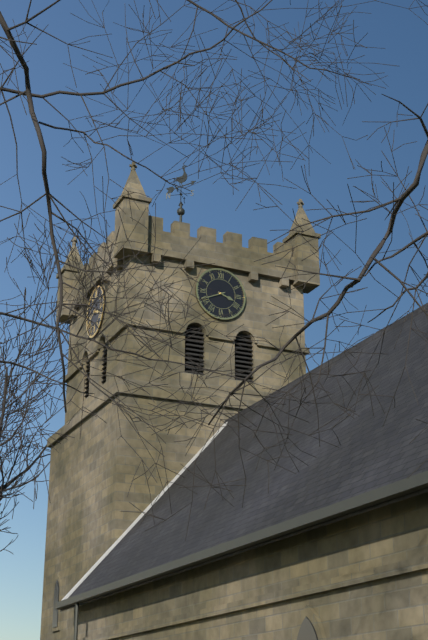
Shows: 3:41
